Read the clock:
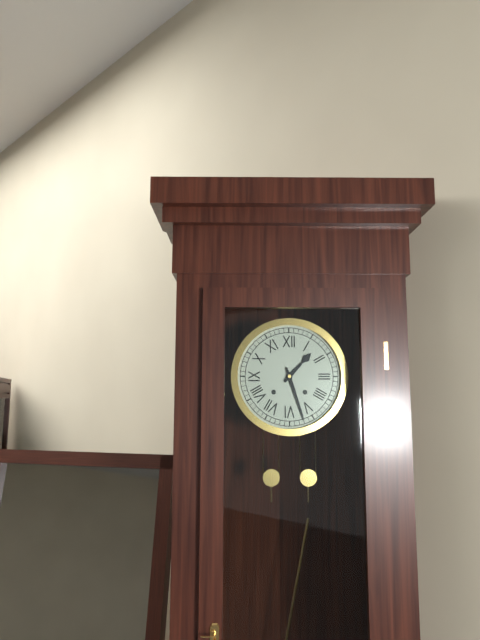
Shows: 1:27
